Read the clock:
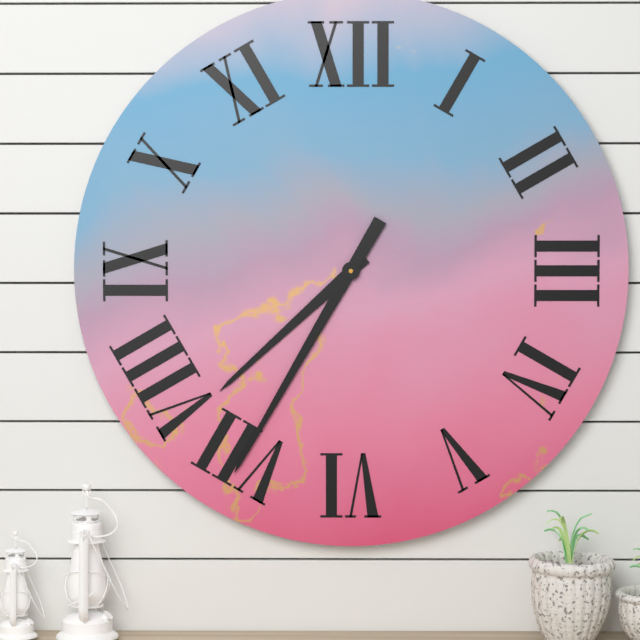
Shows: 7:35
